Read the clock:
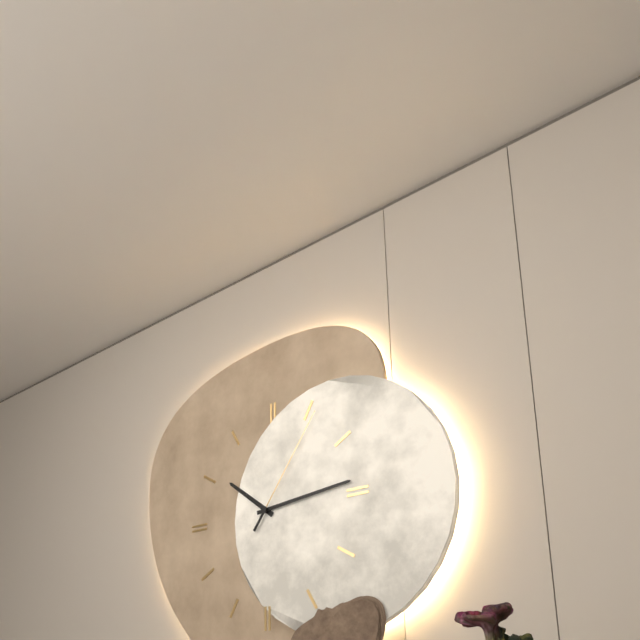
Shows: 10:14:06
